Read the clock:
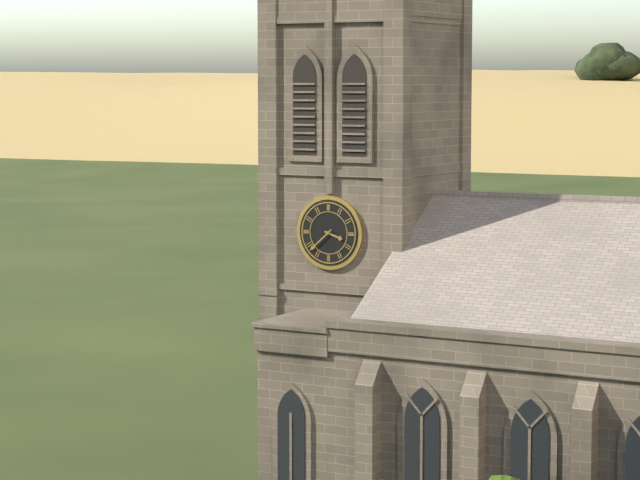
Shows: 3:38
